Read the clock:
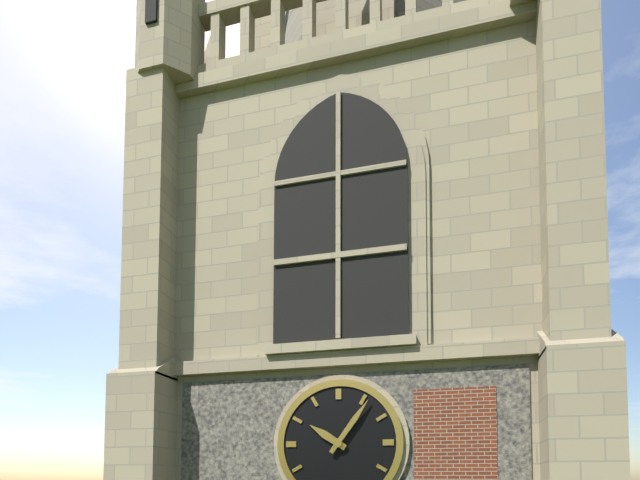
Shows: 10:06
